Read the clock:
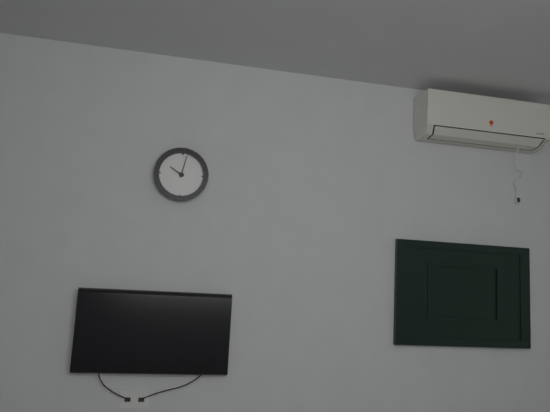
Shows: 10:02
